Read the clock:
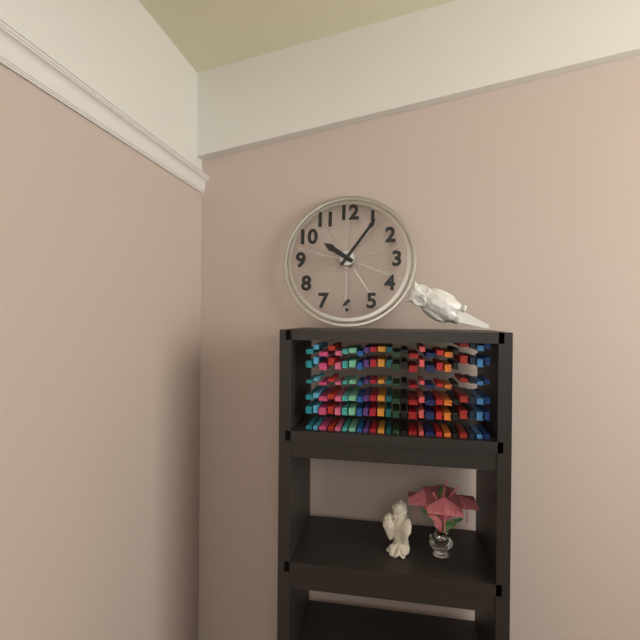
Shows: 10:06
